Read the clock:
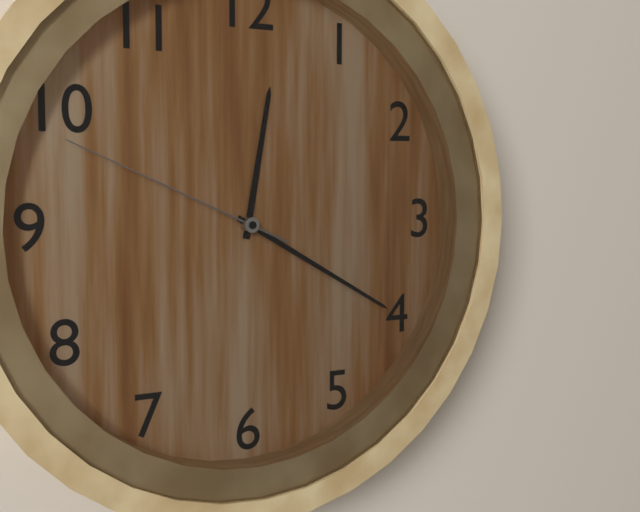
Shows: 12:20:49
